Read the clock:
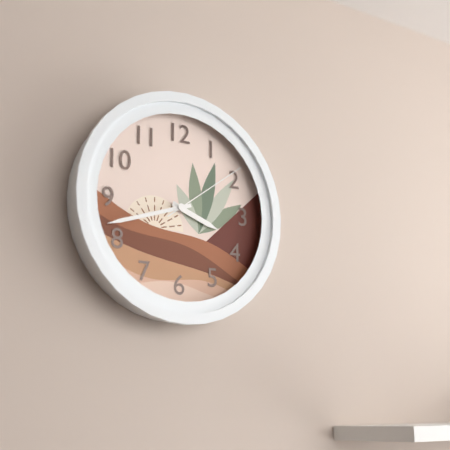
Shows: 3:42:09
